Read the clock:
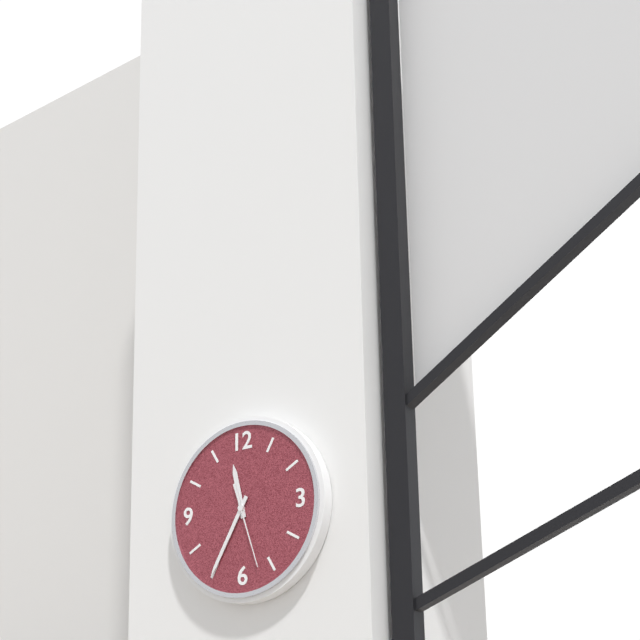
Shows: 11:35:27
